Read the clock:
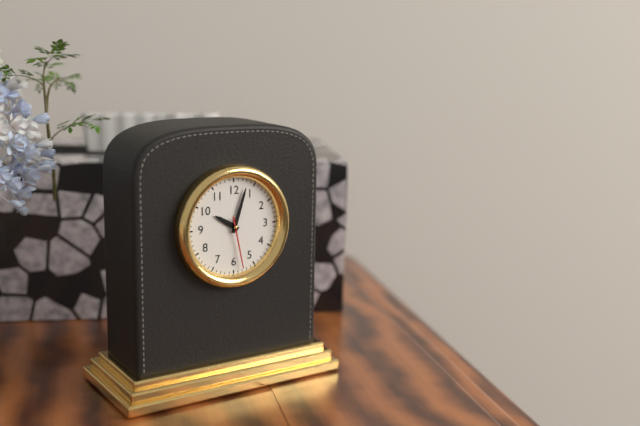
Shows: 10:03:28
